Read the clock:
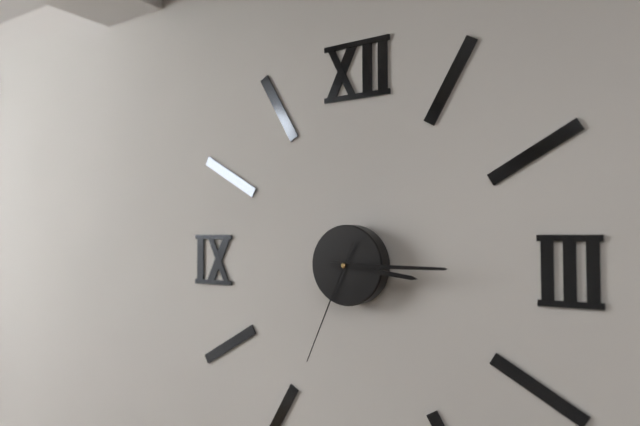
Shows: 3:15:34
